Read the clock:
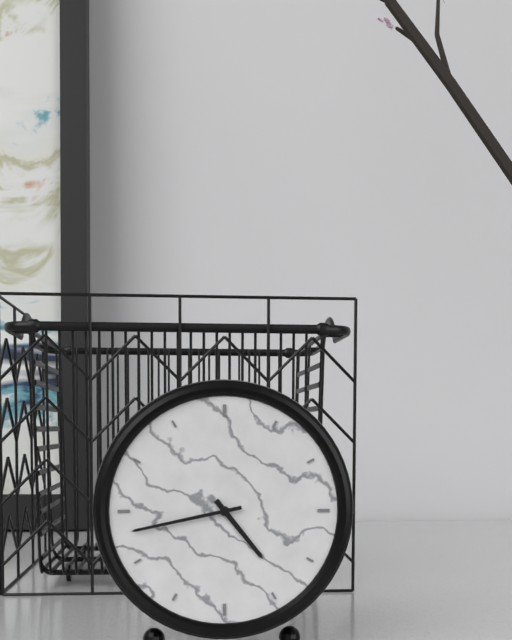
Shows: 4:43
